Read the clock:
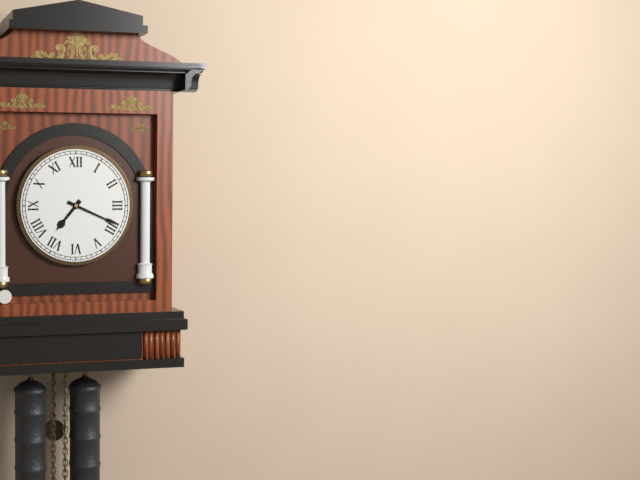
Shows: 7:19
